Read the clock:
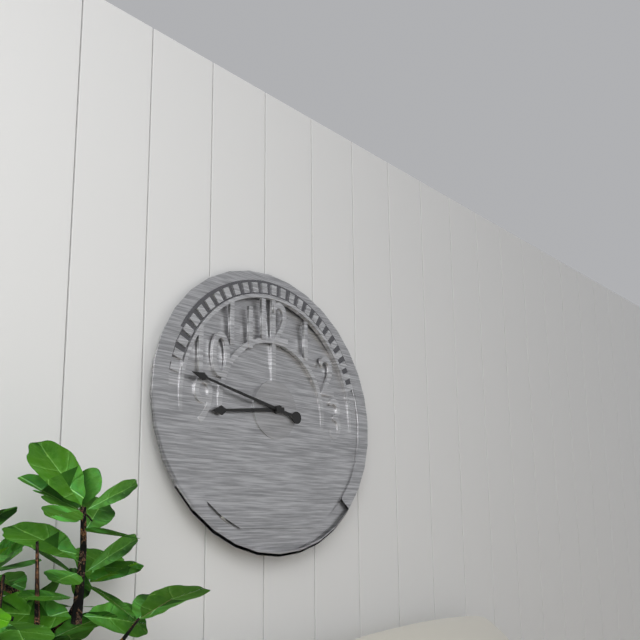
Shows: 8:47
